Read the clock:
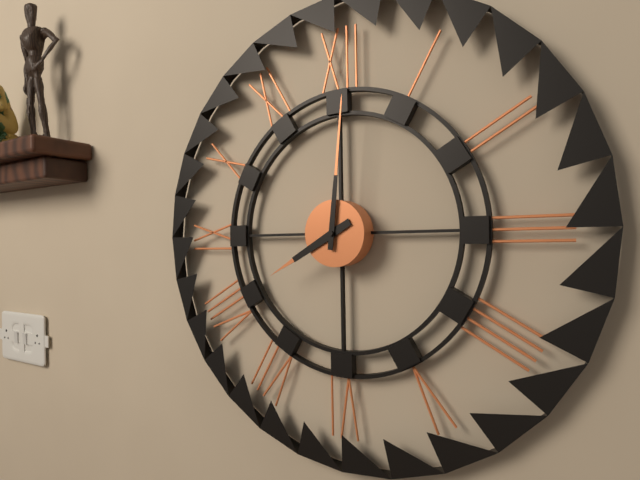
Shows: 8:01
